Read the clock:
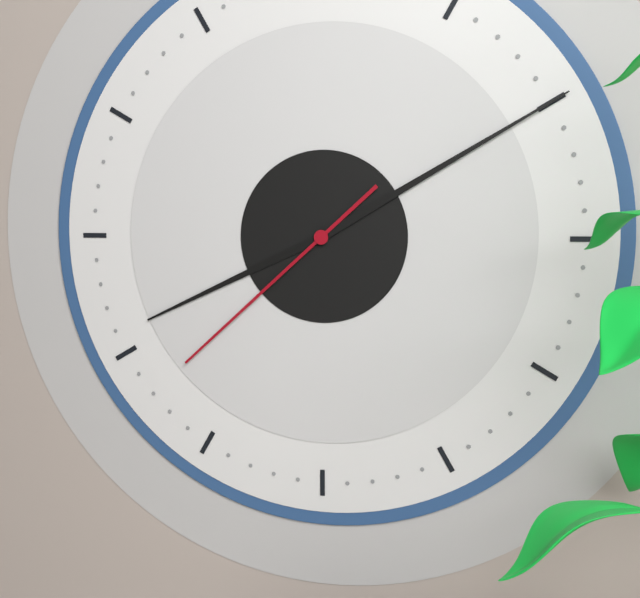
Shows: 8:10:38
